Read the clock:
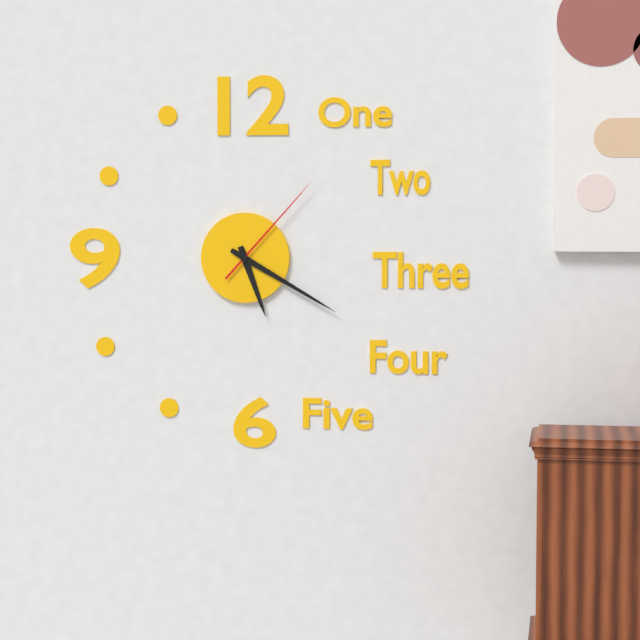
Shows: 5:20:07
